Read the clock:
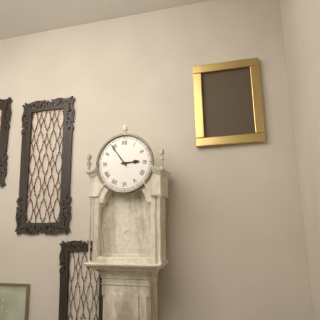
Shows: 2:54
